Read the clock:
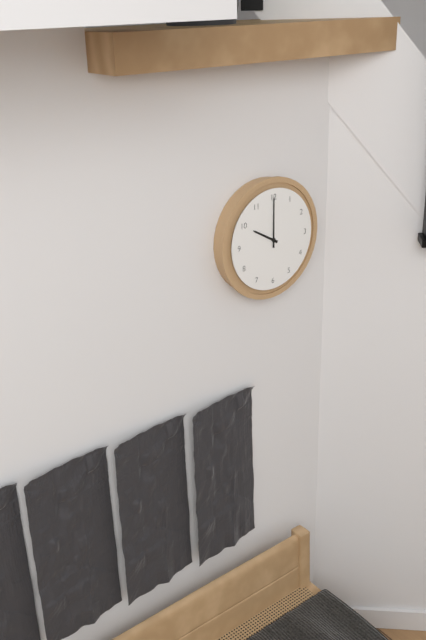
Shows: 10:00
